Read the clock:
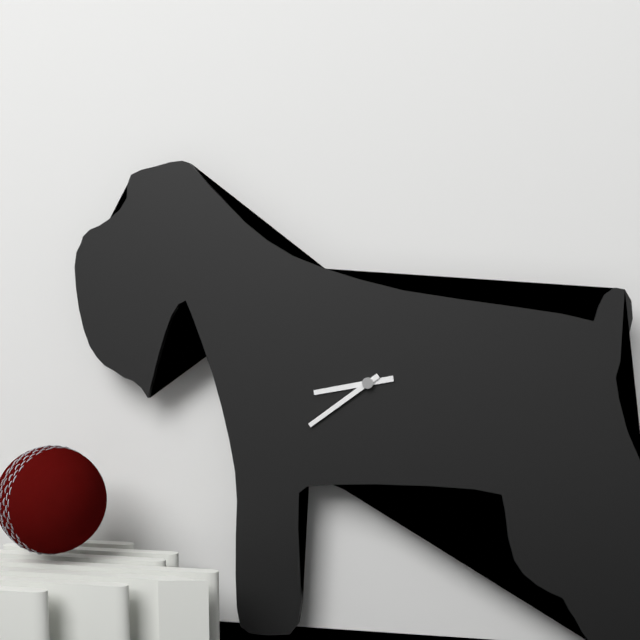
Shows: 8:39
